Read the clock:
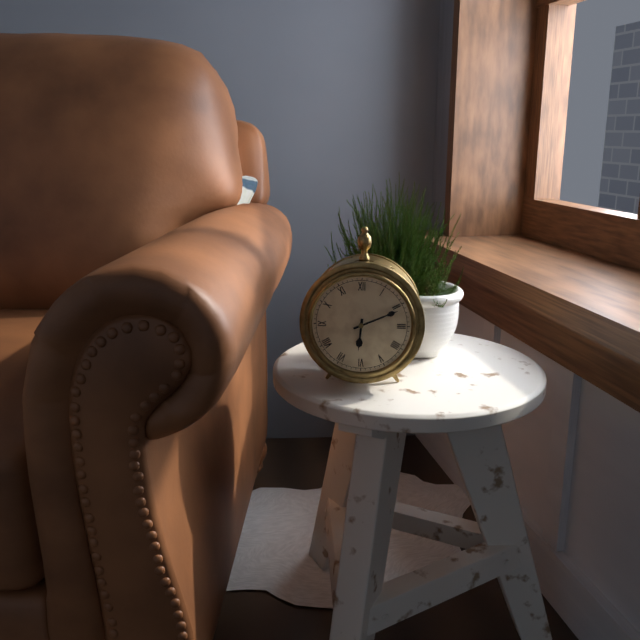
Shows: 6:11
